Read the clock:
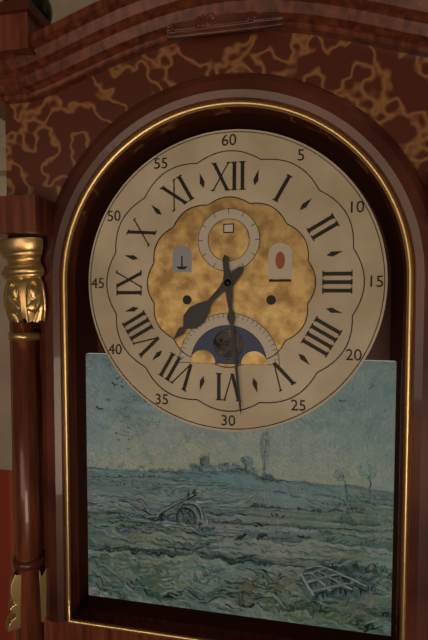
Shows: 7:29
